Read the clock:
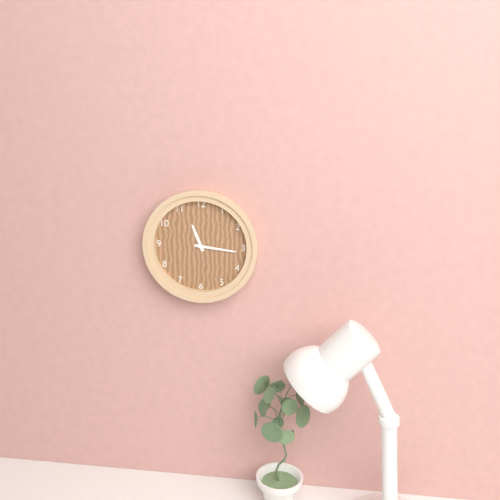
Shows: 11:16
